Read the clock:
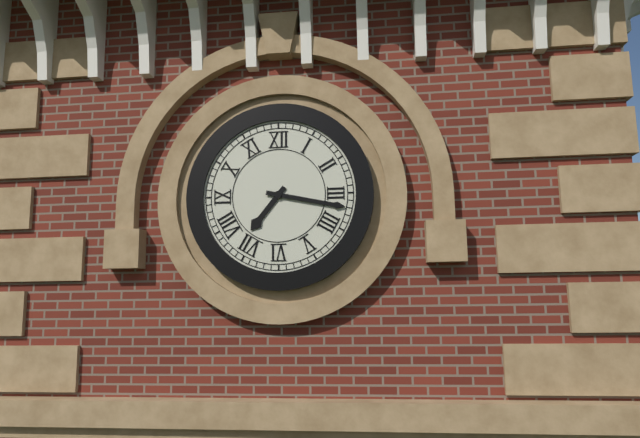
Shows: 7:17
